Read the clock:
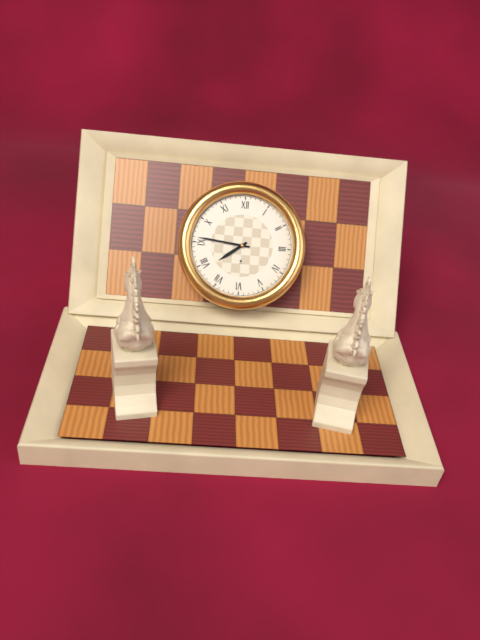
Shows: 7:46
